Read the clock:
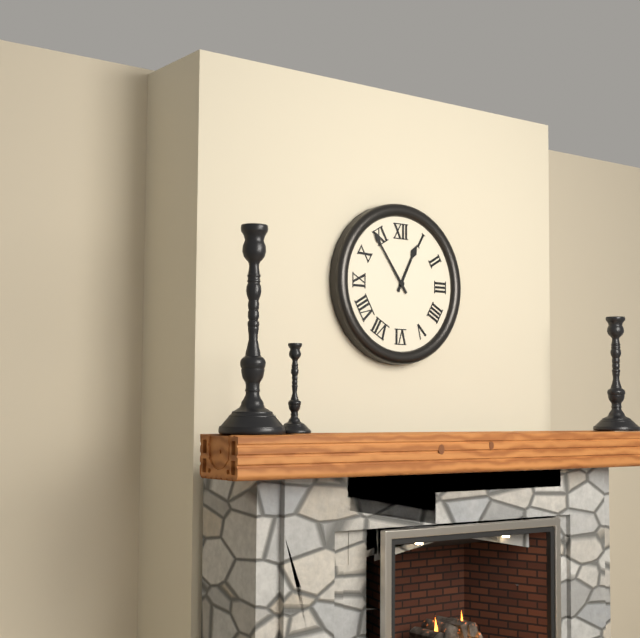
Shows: 12:54
